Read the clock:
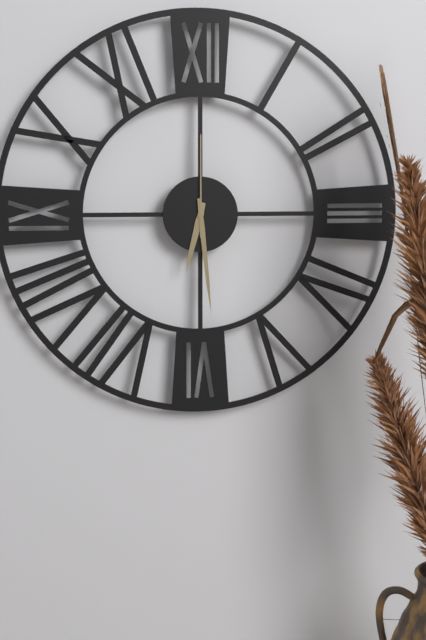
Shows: 6:29:00
